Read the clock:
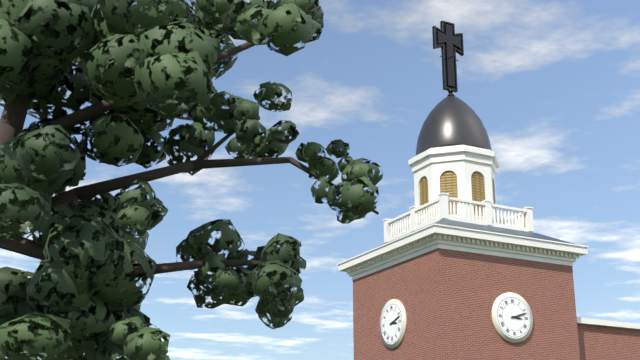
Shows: 3:12
